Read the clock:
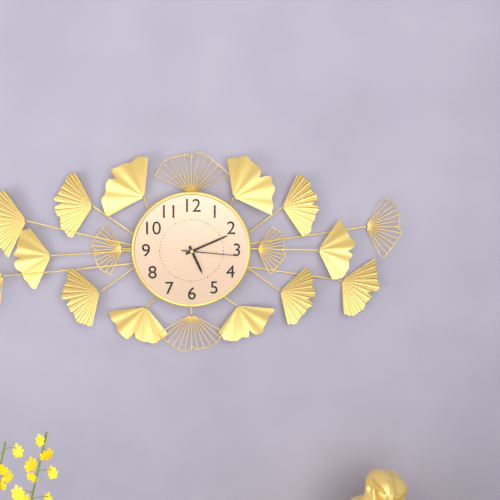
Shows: 5:11:16
